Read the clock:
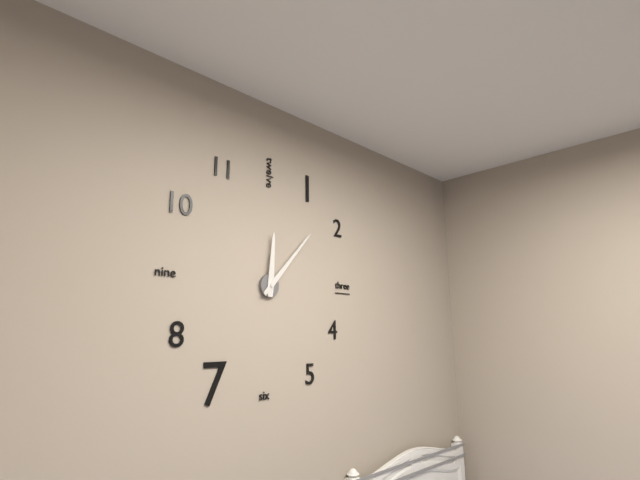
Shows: 12:07
